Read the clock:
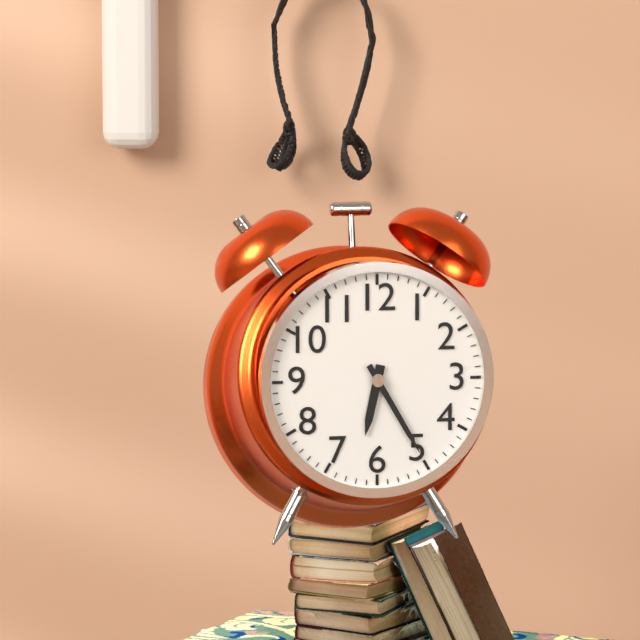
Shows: 6:25
